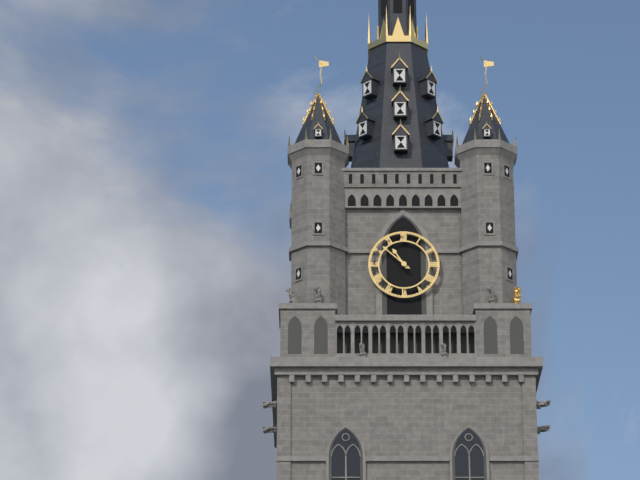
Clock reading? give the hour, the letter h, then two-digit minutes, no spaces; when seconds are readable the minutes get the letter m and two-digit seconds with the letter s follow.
10h52
